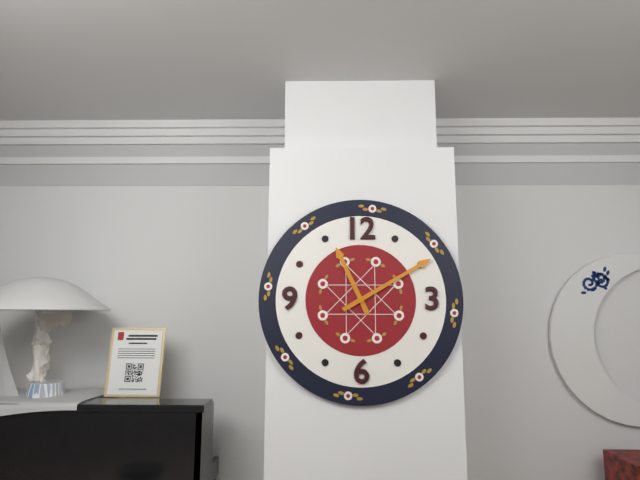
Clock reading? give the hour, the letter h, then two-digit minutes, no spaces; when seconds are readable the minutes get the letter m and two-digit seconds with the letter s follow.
11h10
